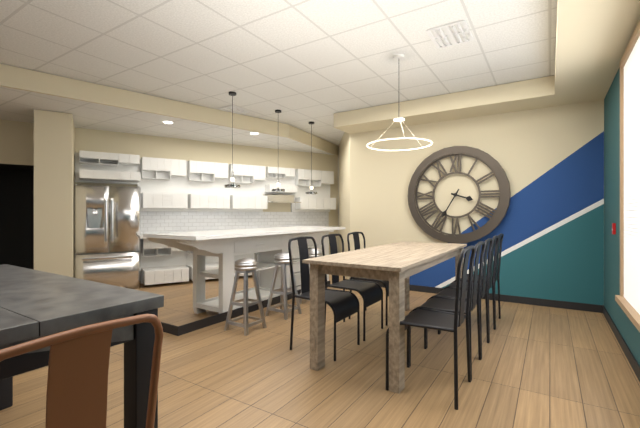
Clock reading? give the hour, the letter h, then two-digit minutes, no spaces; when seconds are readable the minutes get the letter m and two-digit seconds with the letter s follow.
3h35
